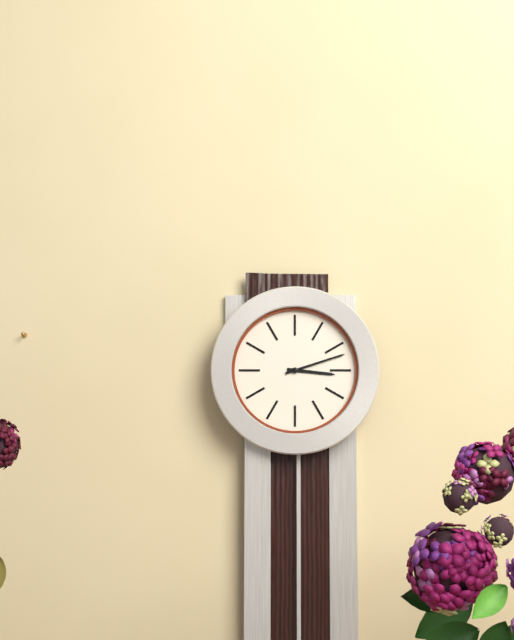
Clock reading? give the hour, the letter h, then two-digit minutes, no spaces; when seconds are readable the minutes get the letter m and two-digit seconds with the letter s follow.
3h12
